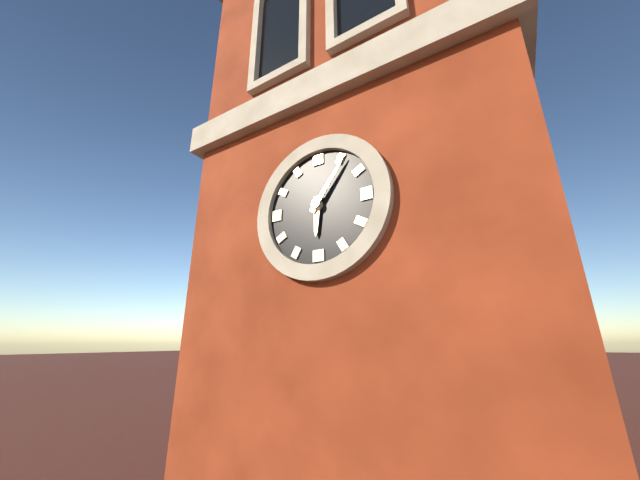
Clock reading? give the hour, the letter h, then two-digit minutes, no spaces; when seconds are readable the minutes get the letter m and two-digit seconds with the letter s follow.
6h06
